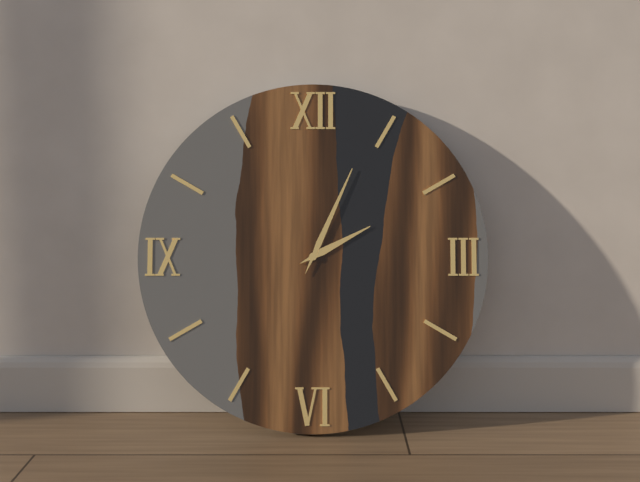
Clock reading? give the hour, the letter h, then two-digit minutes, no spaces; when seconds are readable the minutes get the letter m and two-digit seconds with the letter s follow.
2h04
